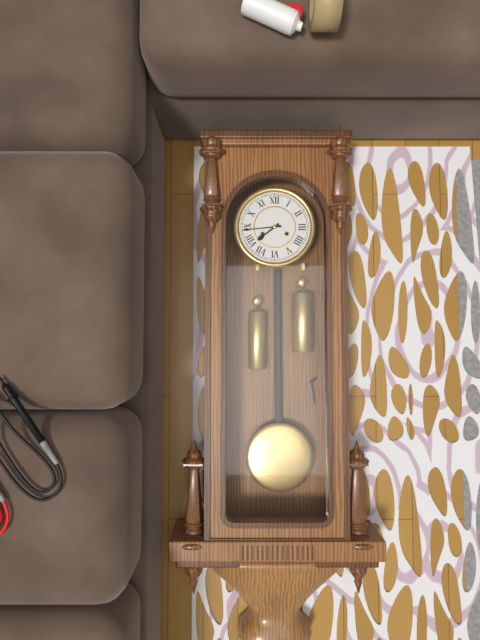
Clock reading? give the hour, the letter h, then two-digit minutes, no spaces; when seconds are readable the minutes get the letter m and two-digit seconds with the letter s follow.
7h44
